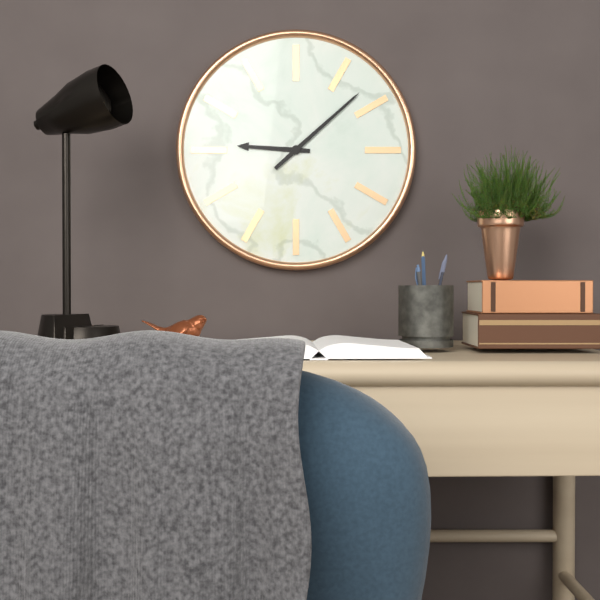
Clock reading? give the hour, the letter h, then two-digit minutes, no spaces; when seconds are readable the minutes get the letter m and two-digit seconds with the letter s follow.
9h08
